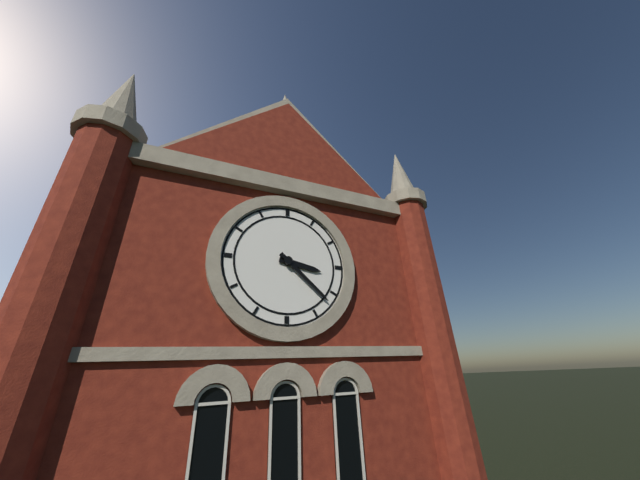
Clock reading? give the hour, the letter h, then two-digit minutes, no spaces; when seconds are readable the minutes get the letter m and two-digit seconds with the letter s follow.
3h22
